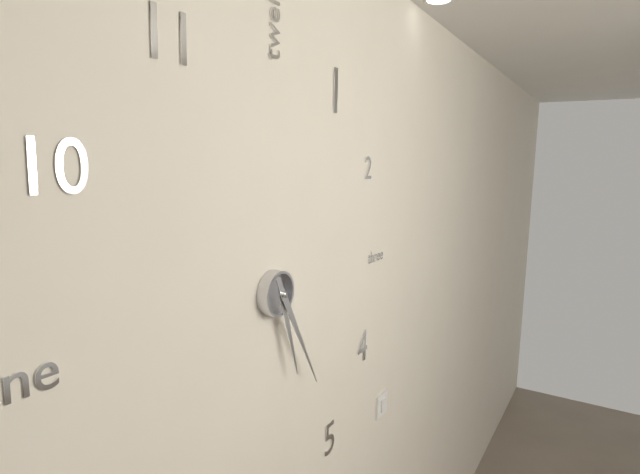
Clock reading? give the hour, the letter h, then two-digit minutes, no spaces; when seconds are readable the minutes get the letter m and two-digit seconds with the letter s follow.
5h25
